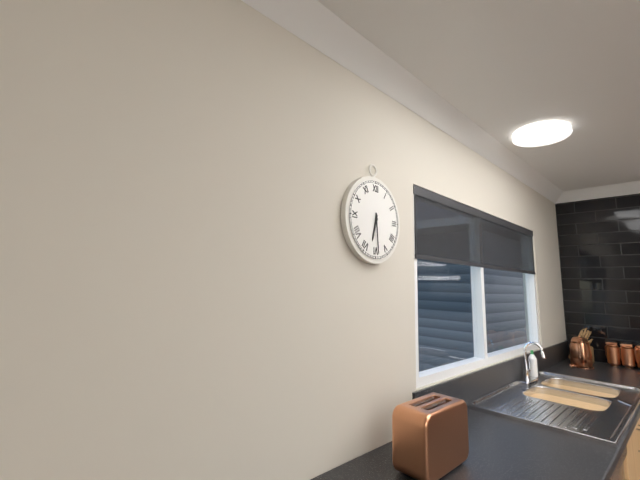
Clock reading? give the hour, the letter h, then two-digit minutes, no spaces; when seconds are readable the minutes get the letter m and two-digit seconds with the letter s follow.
6h29
